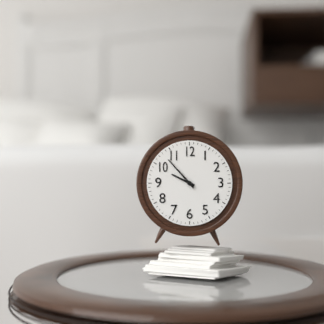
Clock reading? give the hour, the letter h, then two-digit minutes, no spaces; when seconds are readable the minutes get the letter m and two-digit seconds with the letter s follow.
9h53
